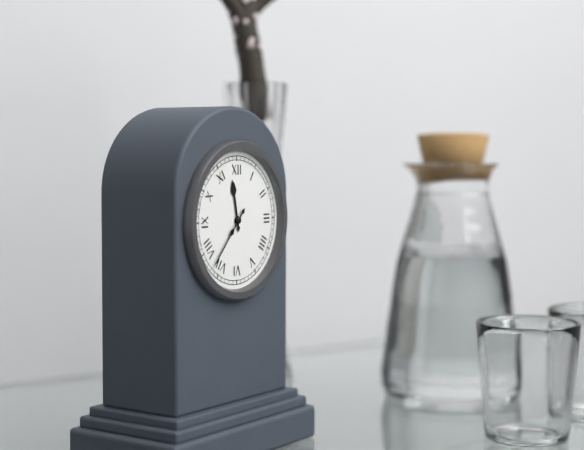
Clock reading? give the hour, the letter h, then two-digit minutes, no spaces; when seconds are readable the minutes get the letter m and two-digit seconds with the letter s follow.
11h37
